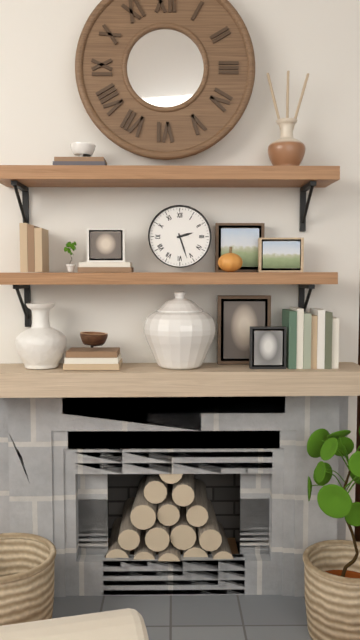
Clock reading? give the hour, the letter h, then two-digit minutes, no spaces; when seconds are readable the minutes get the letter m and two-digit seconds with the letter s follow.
2h27
